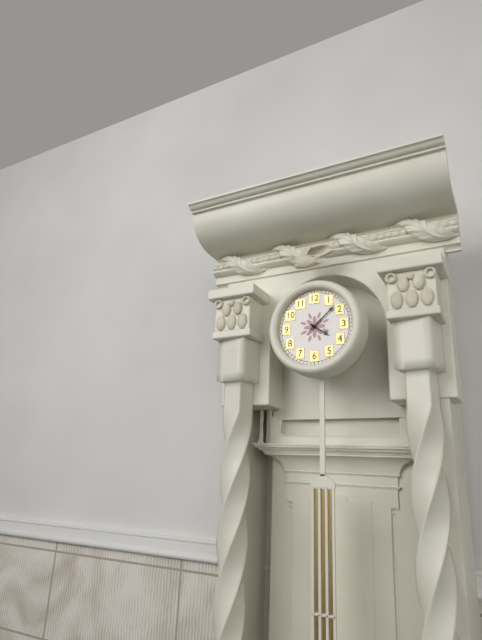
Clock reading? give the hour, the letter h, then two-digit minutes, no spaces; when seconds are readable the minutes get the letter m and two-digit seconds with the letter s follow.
4h08
